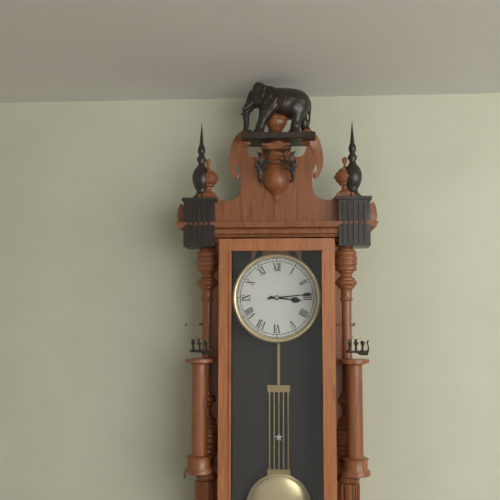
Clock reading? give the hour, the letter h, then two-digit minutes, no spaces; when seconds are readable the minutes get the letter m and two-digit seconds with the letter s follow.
3h14
